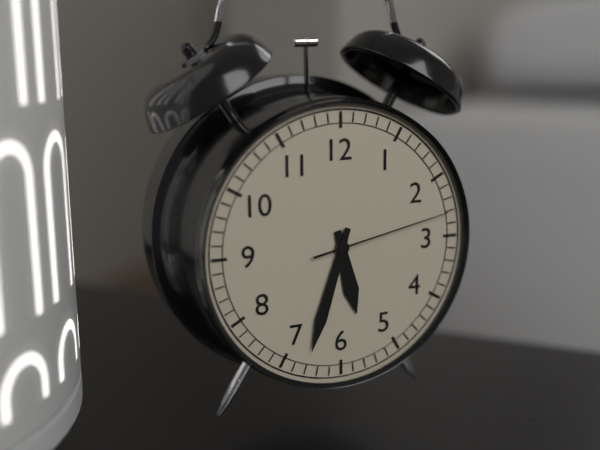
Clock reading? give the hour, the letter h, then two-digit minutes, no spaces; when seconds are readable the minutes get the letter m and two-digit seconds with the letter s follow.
5h33m13s
